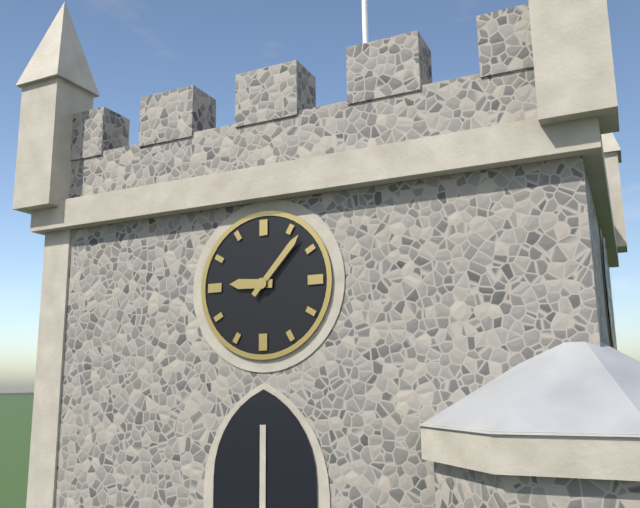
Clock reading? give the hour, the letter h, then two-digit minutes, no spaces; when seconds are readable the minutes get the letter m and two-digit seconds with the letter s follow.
9h07
